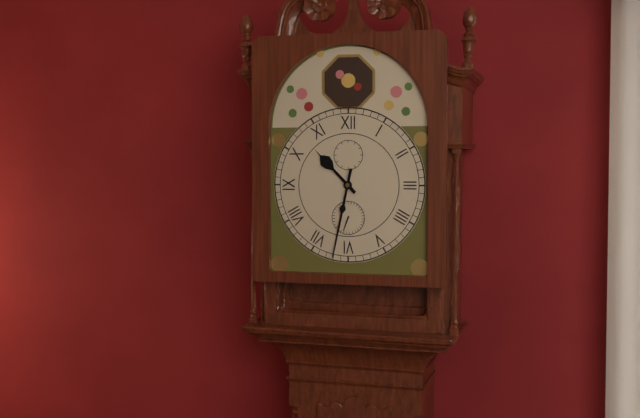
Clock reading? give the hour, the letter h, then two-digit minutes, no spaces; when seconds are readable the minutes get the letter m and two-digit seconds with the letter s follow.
10h32
